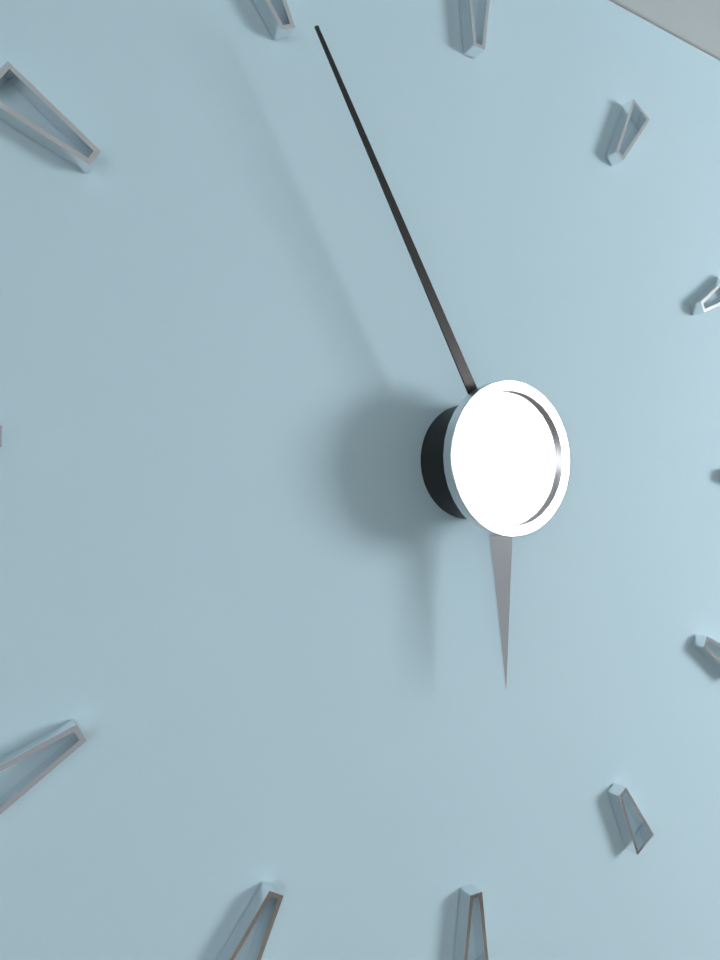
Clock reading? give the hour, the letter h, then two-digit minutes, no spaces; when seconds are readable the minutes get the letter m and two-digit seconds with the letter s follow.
5h55
